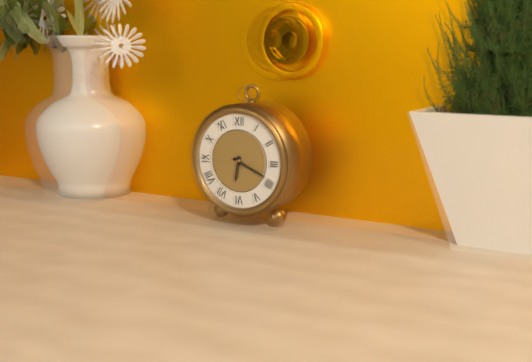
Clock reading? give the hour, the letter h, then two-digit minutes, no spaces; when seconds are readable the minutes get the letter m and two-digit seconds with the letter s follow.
6h19
